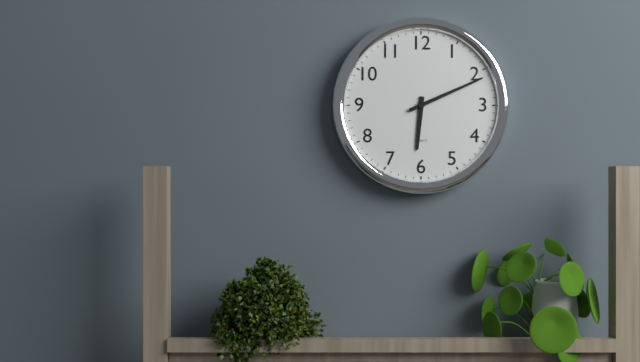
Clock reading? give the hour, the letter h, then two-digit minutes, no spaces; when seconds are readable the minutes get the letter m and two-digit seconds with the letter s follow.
6h11
